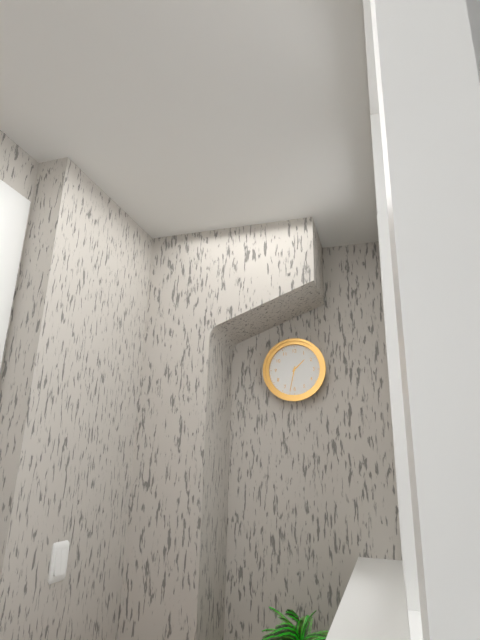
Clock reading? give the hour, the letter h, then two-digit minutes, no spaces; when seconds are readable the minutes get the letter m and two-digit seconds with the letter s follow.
1h32
